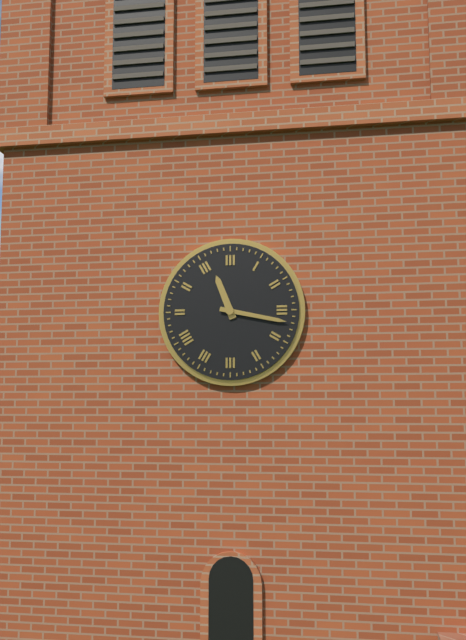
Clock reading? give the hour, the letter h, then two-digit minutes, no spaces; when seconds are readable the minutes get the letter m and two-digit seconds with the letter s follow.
11h17
